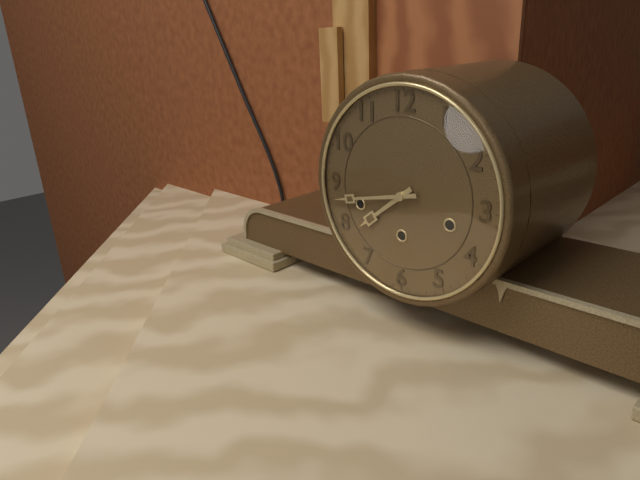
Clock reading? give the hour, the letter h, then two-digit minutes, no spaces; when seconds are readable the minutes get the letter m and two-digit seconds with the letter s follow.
7h43
